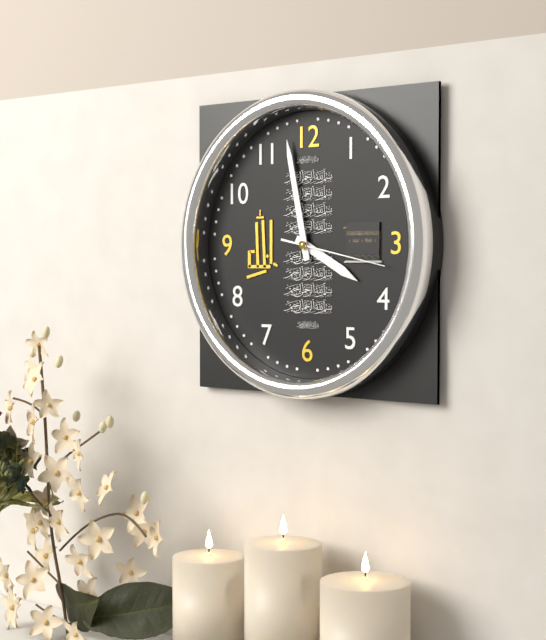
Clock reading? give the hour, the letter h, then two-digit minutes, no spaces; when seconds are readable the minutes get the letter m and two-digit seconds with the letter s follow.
3h58m17s
